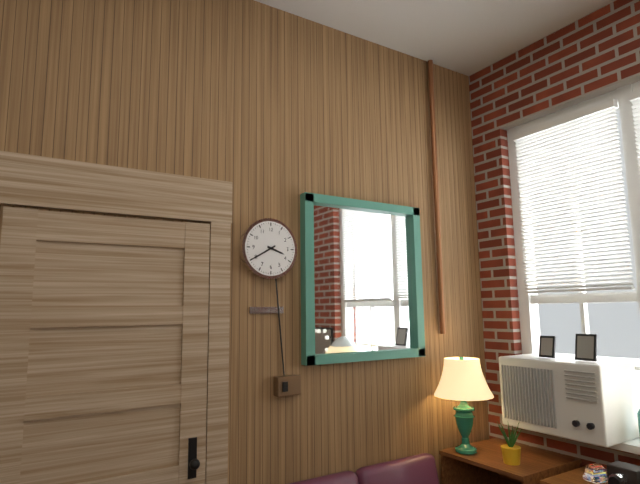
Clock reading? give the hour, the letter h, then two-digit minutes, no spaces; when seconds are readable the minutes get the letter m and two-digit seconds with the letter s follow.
3h40
